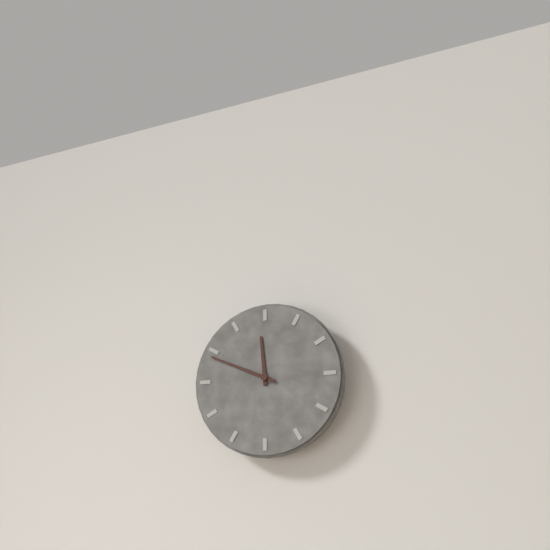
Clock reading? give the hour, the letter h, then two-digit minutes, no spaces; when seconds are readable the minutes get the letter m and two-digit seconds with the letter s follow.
11h49
